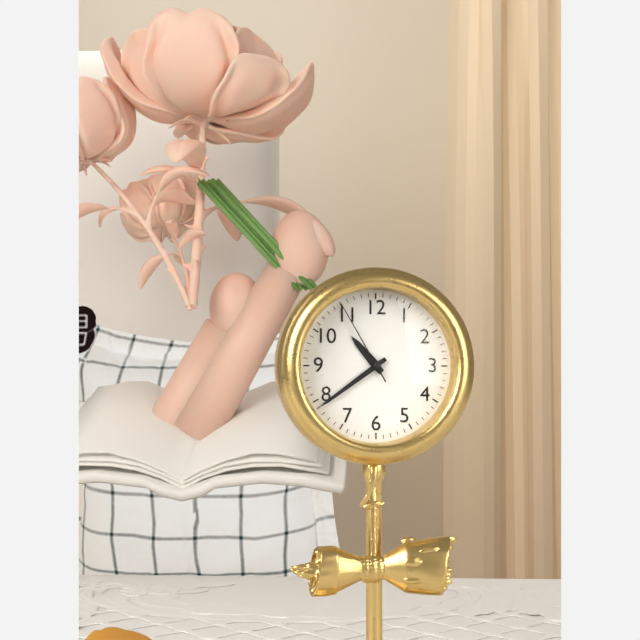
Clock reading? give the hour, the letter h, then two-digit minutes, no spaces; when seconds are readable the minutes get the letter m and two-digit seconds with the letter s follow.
10h39m55s
